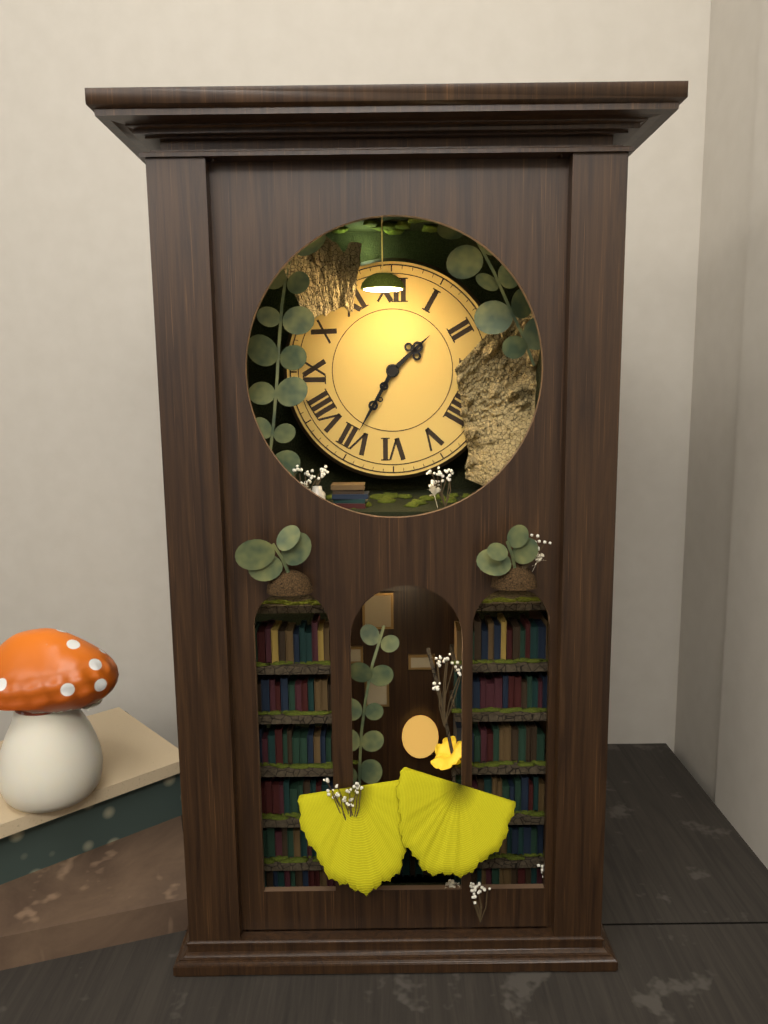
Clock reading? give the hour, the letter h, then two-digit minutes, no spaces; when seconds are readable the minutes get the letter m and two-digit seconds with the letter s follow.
1h35
